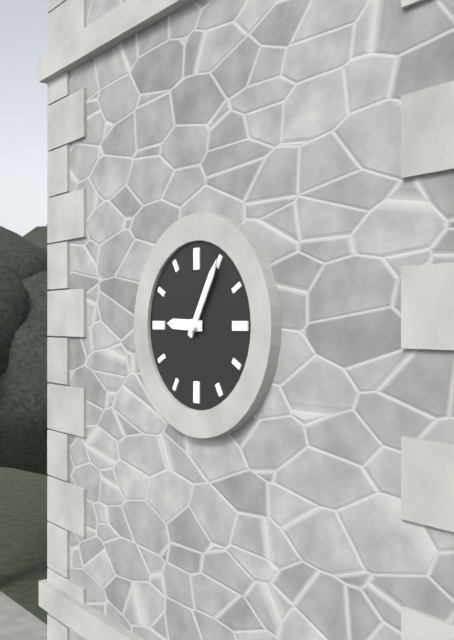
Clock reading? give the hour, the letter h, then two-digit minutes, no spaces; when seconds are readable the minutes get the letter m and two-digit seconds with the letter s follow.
9h05
